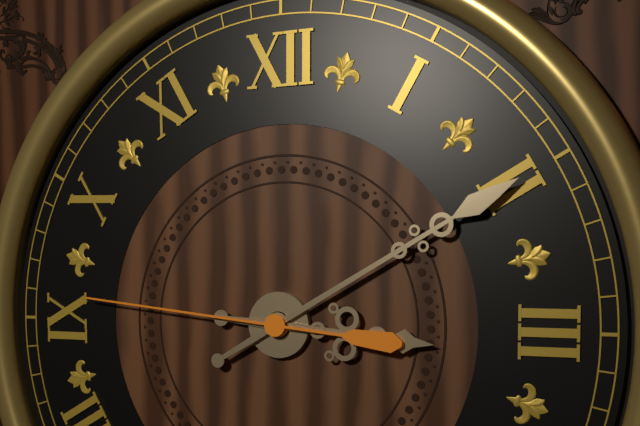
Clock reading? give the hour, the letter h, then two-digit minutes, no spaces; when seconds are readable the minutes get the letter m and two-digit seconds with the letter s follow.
3h10m46s
